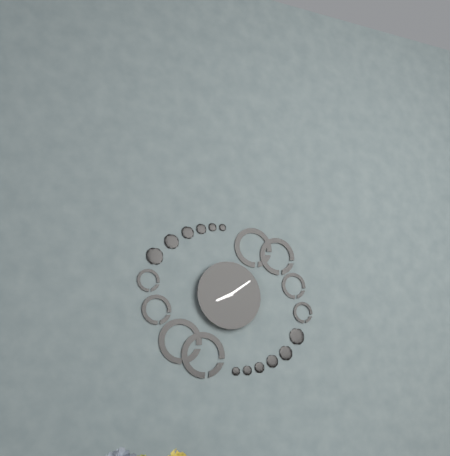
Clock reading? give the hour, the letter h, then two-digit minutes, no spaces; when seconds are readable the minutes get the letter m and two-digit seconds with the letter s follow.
8h09
